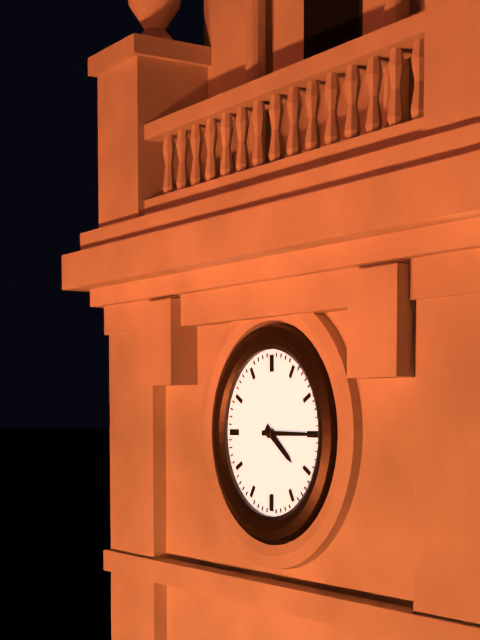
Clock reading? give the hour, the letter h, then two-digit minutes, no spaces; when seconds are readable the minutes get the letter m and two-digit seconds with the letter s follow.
4h15
